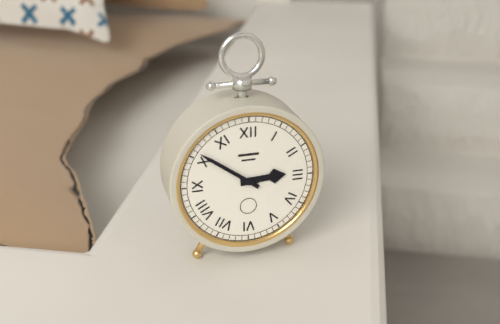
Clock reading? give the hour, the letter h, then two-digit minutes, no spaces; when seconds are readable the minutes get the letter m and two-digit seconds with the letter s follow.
2h51
